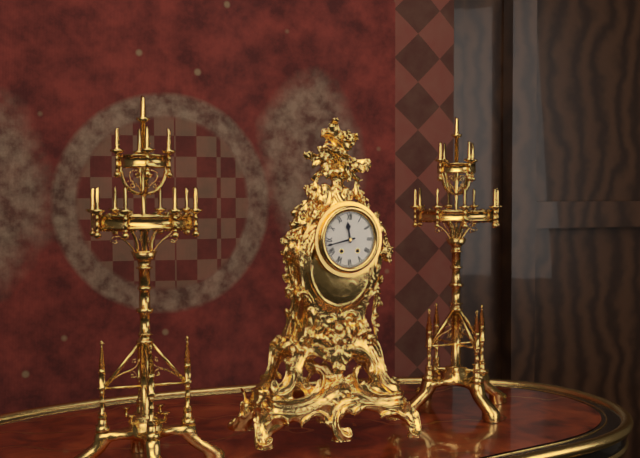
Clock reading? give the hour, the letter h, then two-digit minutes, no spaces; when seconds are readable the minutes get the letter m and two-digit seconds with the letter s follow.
11h43
